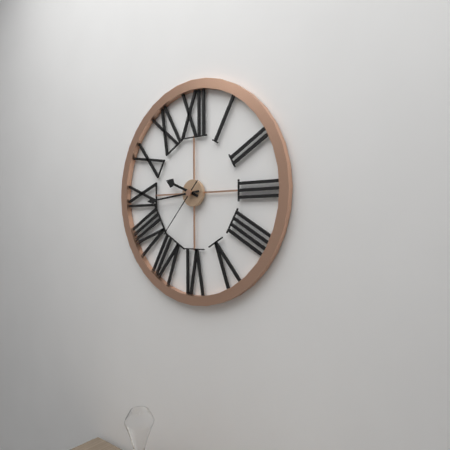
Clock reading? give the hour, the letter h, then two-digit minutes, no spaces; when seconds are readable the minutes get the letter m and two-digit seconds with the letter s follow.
9h44m37s
